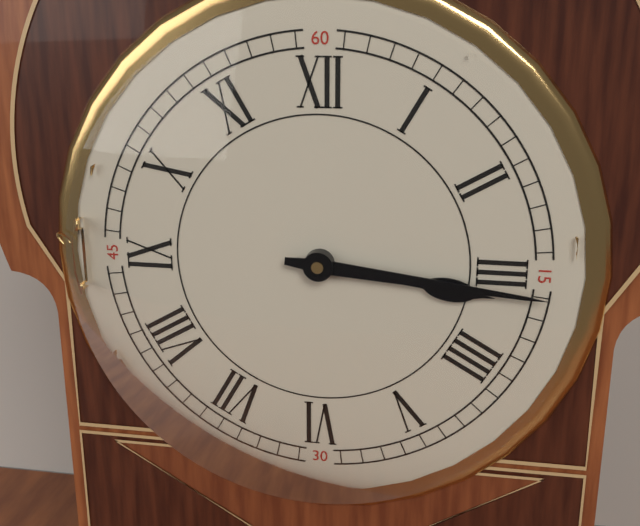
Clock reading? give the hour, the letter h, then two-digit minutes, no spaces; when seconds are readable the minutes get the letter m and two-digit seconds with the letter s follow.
3h16
